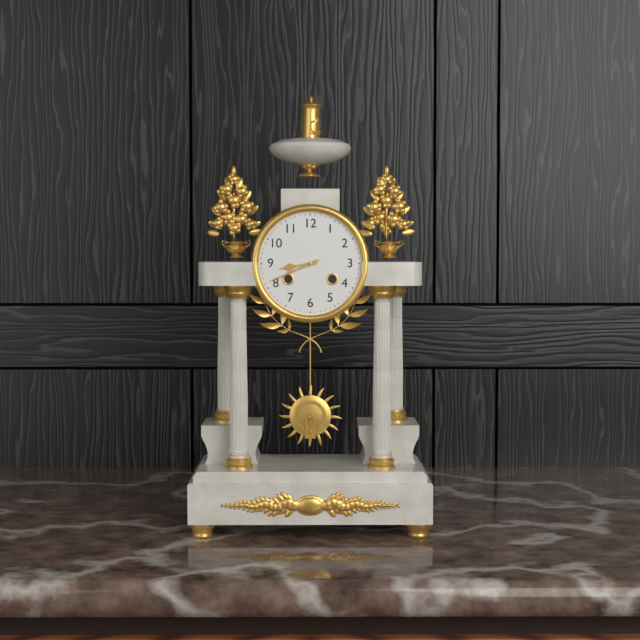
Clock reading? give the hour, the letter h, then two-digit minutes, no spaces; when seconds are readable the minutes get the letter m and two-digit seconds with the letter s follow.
8h41
